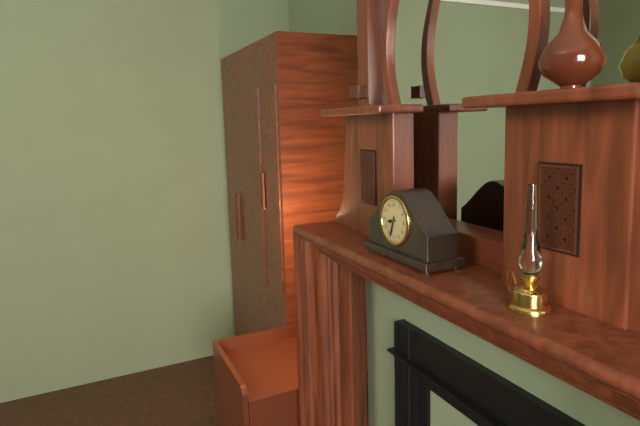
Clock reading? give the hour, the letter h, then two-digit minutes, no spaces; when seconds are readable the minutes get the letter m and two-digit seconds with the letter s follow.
8h33
